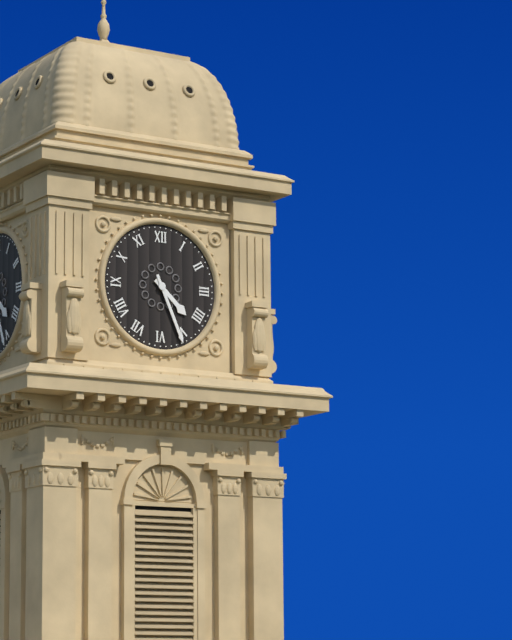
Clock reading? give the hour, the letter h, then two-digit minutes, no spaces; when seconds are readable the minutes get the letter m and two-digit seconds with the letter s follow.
4h26
